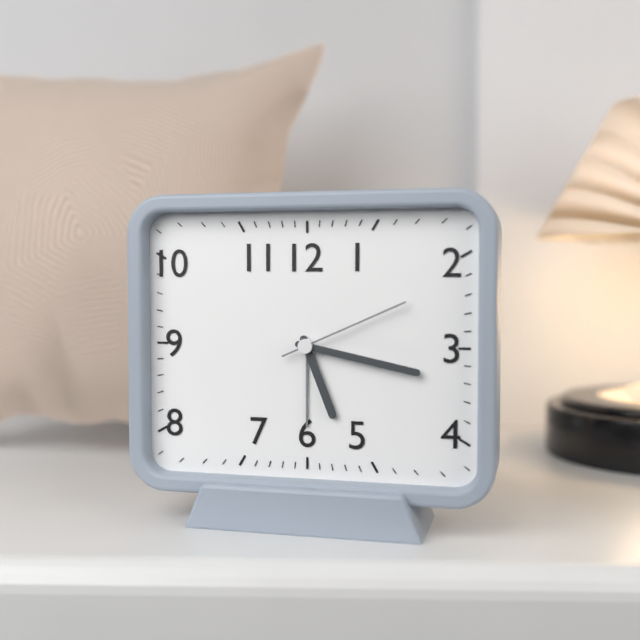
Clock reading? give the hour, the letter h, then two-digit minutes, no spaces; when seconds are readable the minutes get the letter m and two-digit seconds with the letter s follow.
5h17m11s
